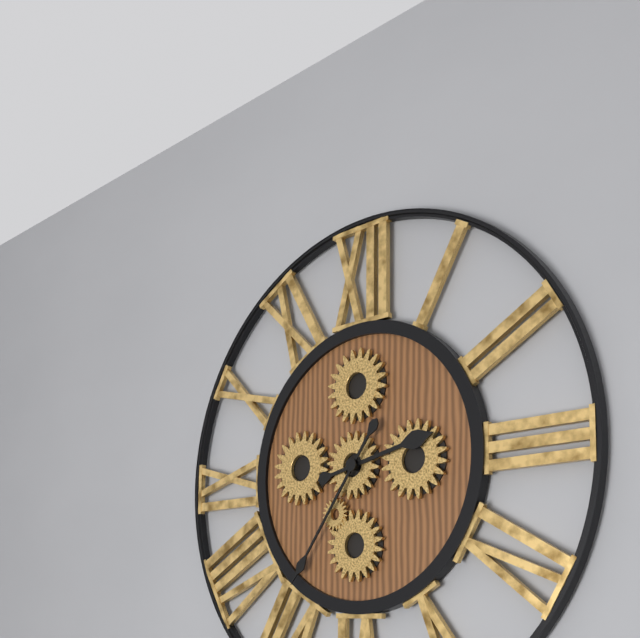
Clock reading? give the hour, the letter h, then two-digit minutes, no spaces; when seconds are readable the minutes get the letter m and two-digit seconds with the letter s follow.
2h36
